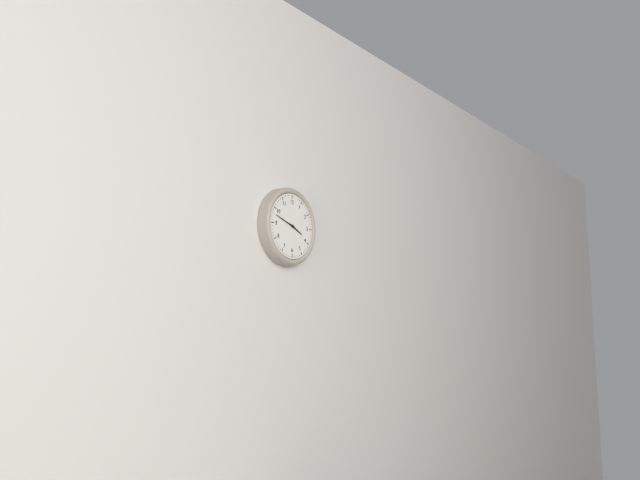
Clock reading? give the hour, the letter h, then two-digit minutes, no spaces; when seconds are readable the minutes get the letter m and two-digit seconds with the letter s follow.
3h48
